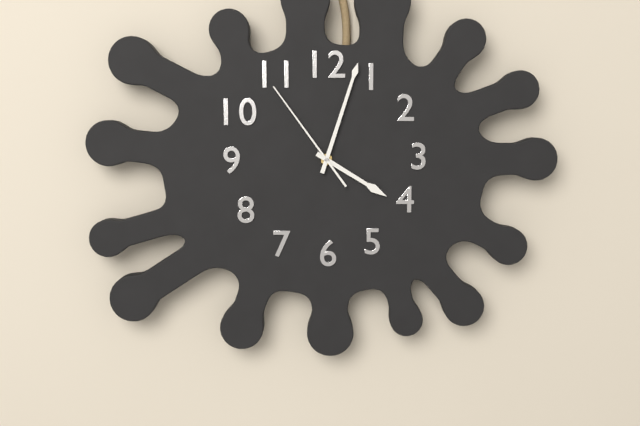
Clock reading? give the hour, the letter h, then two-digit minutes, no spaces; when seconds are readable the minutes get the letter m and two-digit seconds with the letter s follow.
4h03m54s
